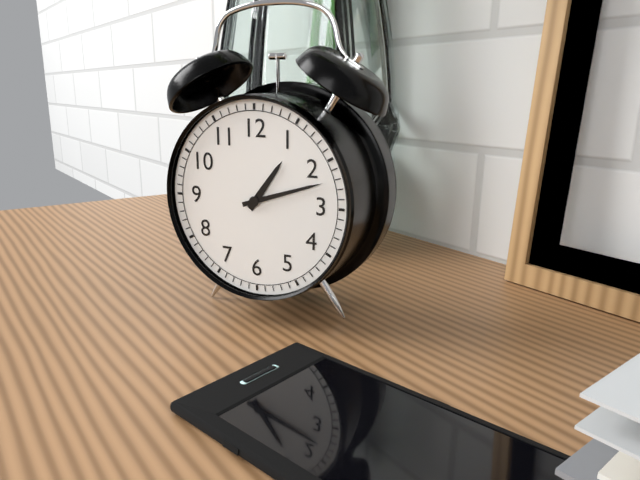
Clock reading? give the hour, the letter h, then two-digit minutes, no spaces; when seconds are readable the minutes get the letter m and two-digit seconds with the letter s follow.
1h12
